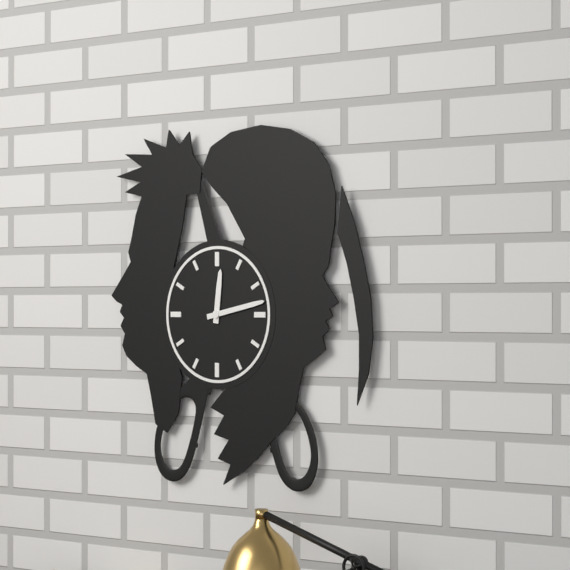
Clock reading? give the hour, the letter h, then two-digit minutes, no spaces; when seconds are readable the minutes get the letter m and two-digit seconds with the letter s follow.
12h13
